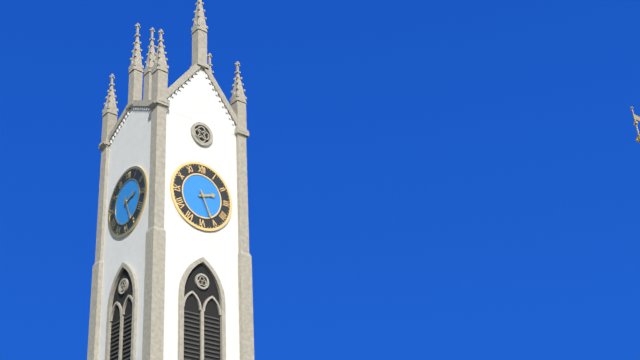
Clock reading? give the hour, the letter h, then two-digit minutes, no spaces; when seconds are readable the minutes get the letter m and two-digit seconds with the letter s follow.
2h26
